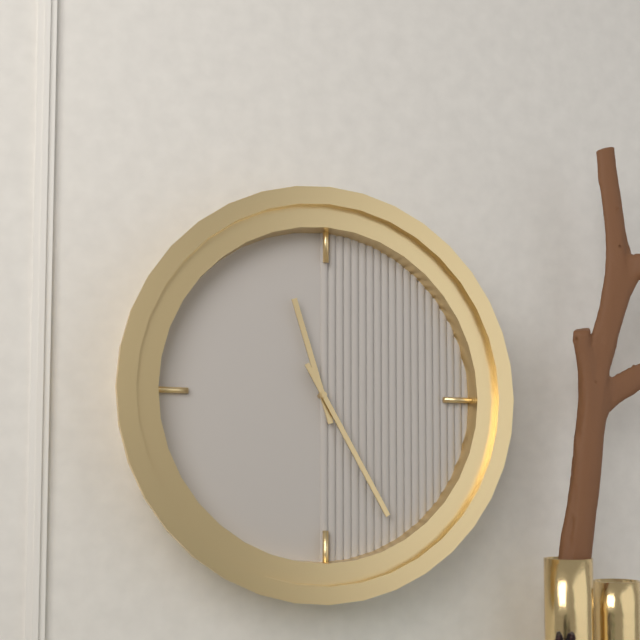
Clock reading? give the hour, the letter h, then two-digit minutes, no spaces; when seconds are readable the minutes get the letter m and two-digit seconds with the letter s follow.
11h25
